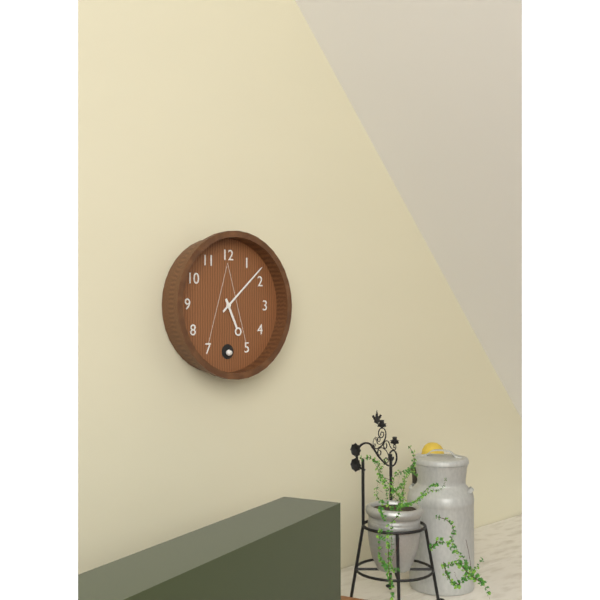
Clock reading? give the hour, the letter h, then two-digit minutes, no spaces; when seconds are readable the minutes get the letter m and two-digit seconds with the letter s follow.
5h08
